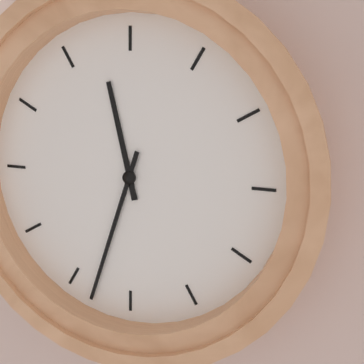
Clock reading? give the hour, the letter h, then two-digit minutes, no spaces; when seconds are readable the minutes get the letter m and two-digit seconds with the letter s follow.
11h33
